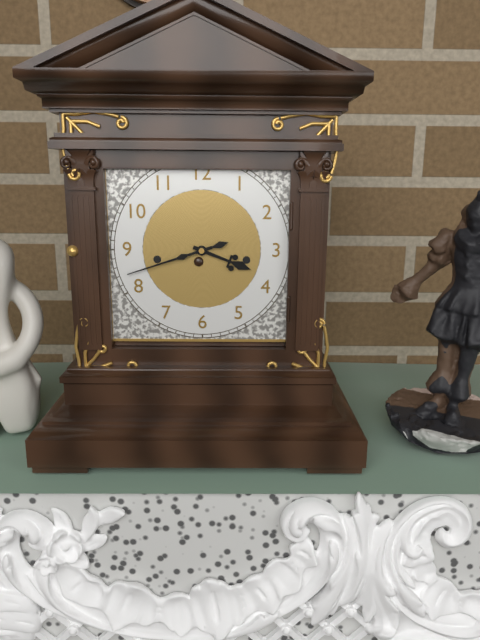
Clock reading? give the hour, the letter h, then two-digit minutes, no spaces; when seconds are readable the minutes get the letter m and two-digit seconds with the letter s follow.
3h42
